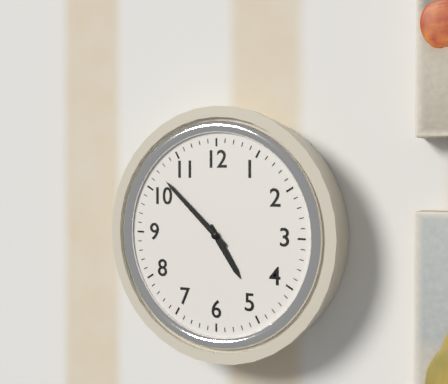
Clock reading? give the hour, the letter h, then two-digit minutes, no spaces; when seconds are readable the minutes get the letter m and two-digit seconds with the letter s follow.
4h52
